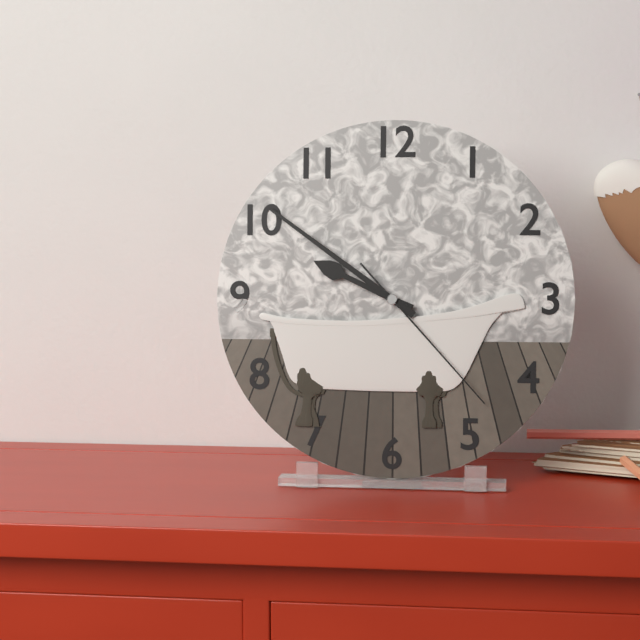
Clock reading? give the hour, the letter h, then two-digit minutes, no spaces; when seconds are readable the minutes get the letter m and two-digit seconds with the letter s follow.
9h51m23s
